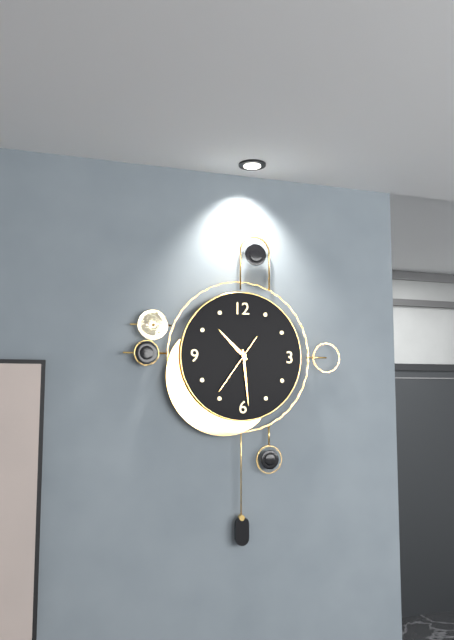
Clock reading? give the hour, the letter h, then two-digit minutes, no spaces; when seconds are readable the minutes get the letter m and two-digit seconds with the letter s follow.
10h29m36s
